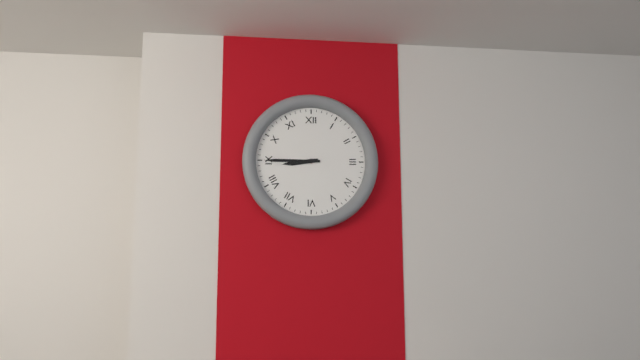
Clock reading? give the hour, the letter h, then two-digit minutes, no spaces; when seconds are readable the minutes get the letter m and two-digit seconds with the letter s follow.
8h45
